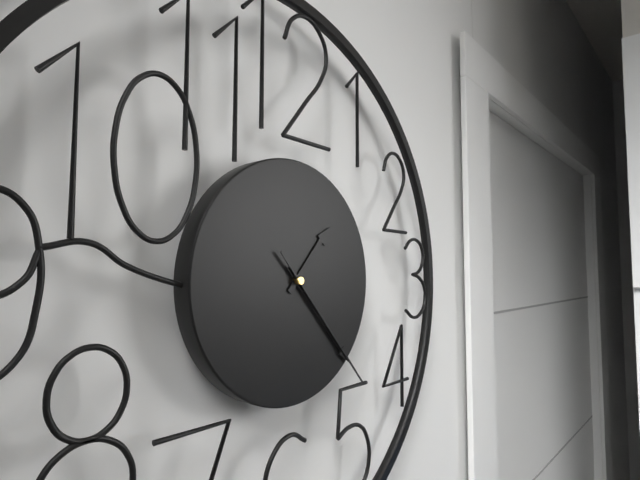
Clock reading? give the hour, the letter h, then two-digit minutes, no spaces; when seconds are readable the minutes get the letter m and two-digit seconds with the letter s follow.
1h23m23s
